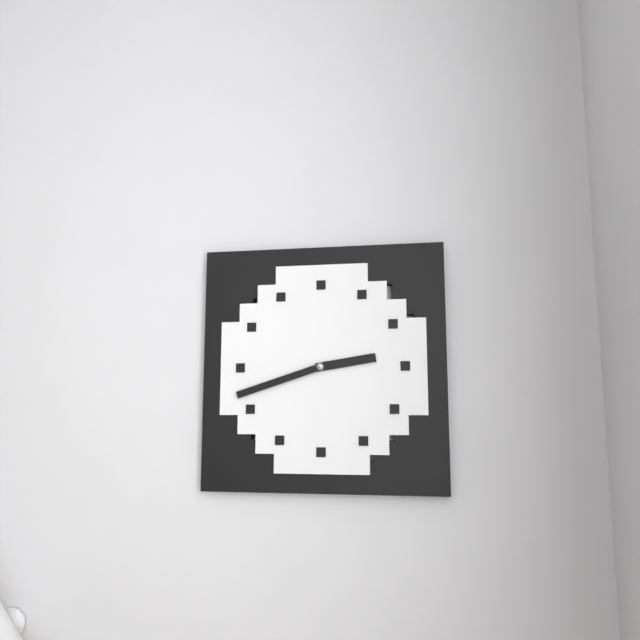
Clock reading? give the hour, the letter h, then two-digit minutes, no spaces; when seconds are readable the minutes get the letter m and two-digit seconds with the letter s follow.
2h42
